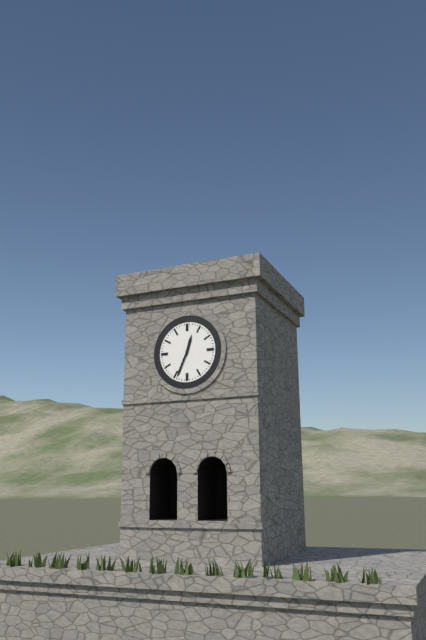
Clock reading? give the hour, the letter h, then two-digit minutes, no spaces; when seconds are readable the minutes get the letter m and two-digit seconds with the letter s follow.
12h34
